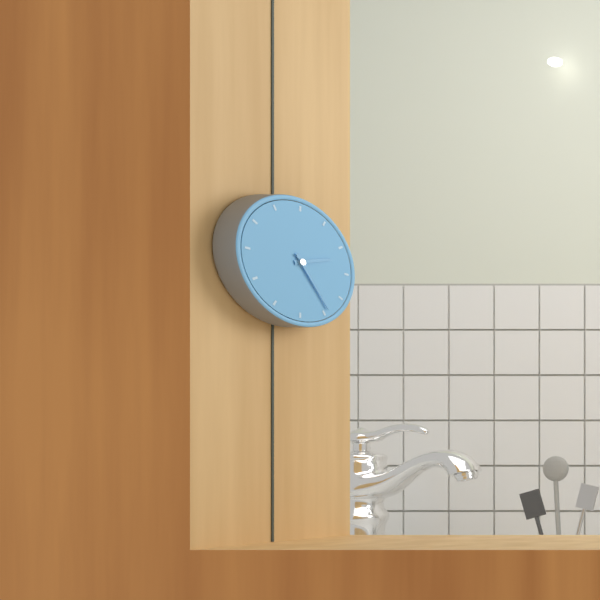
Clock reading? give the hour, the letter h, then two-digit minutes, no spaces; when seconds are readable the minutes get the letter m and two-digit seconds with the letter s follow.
2h24
